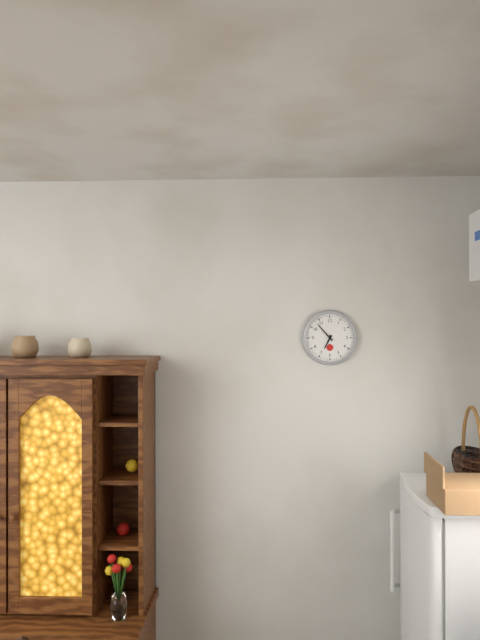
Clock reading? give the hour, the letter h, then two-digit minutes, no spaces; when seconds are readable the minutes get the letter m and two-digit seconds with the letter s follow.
6h53
